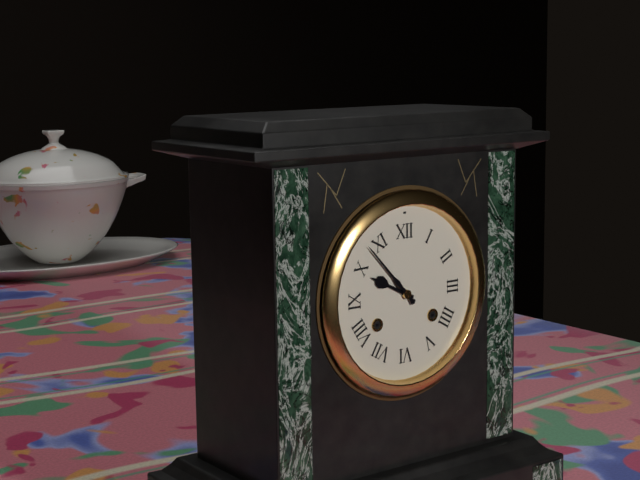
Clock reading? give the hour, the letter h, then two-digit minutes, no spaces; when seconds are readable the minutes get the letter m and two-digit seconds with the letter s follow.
9h53
